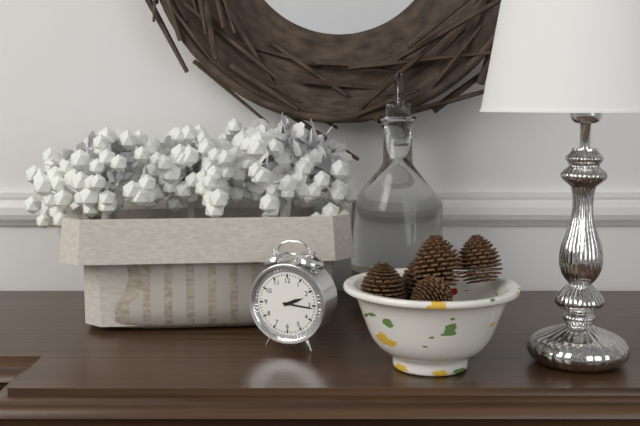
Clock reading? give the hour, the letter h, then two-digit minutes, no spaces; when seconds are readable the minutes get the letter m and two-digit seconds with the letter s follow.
2h16
